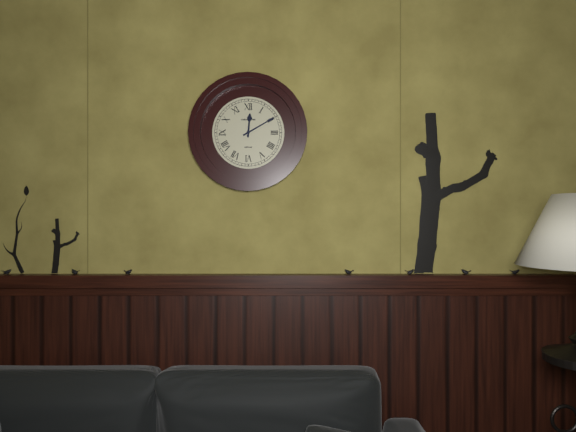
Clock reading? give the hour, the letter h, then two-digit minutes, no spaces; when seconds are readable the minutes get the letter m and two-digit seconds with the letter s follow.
12h10
